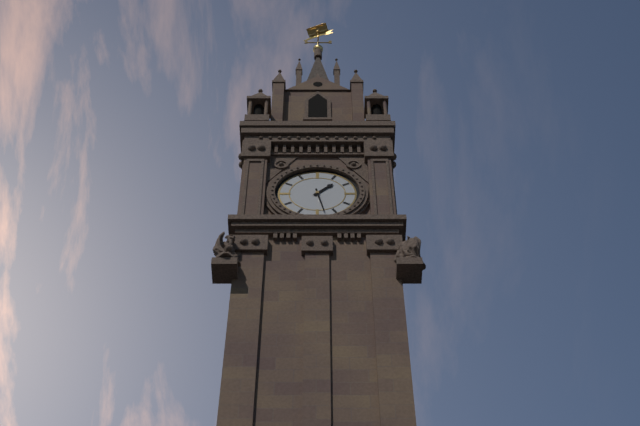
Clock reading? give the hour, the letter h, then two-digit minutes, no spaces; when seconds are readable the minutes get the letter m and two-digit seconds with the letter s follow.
1h28
